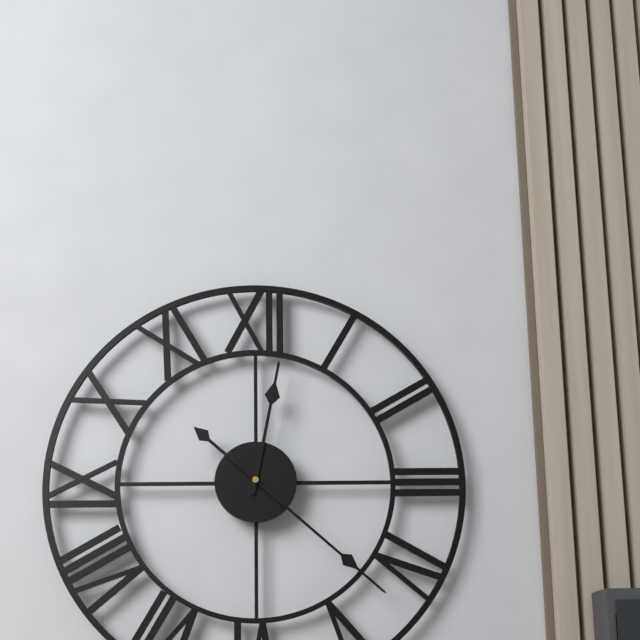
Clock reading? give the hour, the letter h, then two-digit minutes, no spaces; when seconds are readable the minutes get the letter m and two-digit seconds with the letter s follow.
12h22
